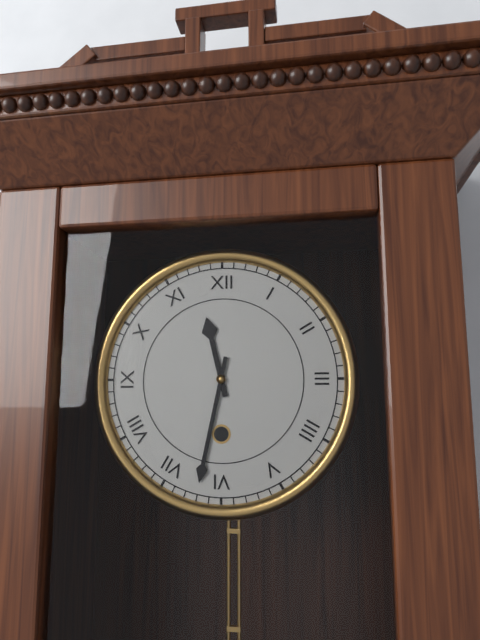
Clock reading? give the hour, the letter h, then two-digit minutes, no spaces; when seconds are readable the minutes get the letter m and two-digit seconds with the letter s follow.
11h32
